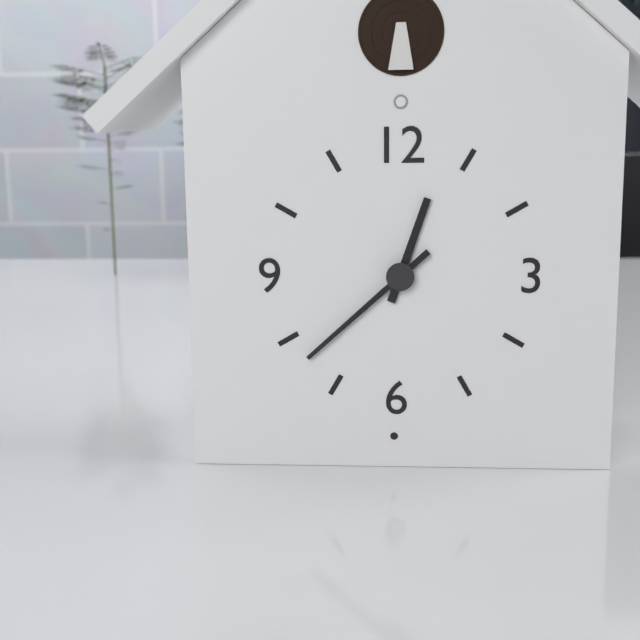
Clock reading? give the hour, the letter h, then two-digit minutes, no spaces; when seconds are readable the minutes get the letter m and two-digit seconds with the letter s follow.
12h38
